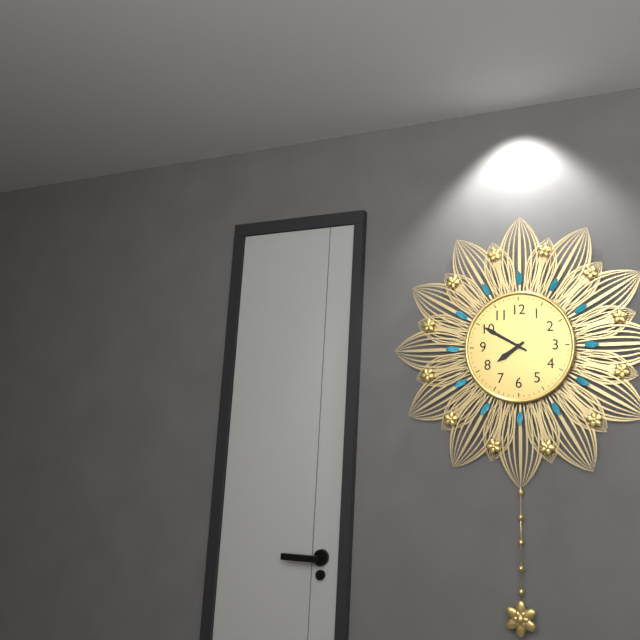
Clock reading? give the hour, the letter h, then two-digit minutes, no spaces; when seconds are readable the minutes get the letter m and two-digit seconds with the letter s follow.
7h50
